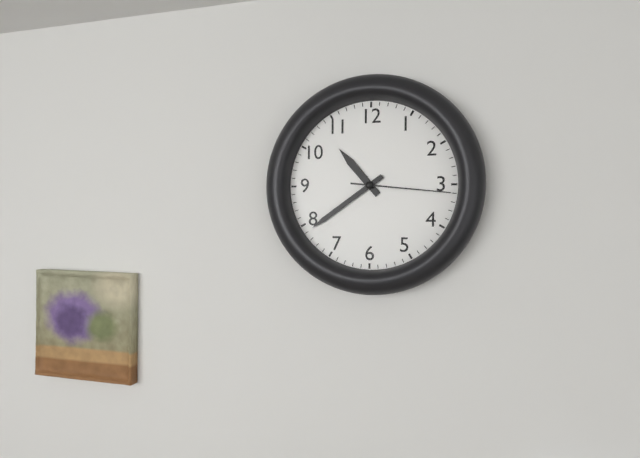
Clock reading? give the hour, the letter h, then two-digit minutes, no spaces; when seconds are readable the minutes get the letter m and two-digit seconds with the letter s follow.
10h39m16s
